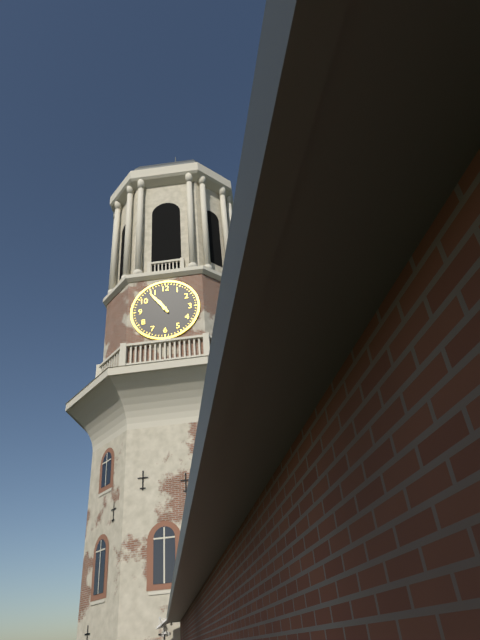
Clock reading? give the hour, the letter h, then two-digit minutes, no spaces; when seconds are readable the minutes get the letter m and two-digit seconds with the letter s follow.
10h54
